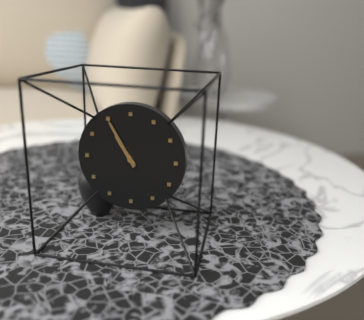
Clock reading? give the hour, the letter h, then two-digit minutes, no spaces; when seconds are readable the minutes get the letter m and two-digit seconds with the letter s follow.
10h55
